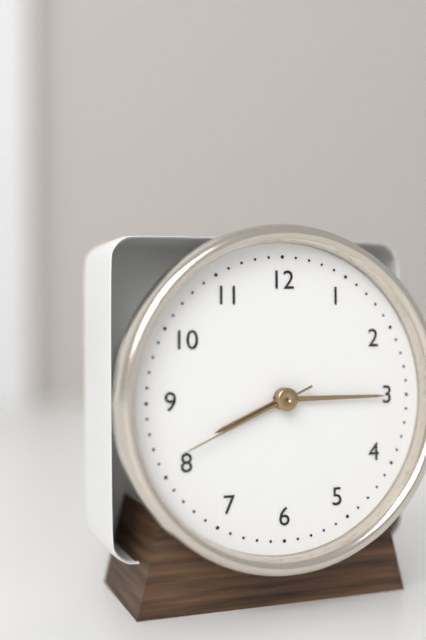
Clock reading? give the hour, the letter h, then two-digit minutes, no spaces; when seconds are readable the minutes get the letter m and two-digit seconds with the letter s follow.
8h15m41s
